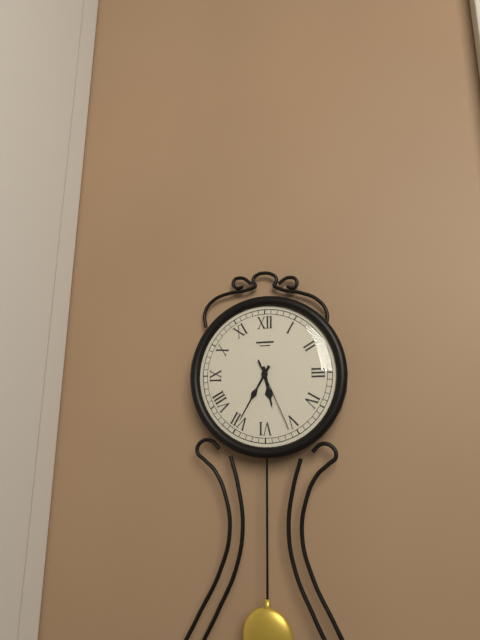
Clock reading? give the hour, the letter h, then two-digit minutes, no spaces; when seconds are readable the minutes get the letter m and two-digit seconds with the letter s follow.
5h35m26s
